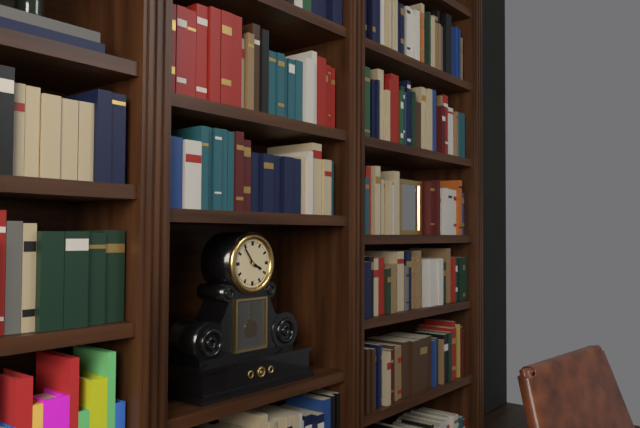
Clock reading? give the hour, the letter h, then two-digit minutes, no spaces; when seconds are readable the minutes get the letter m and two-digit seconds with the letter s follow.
3h54
